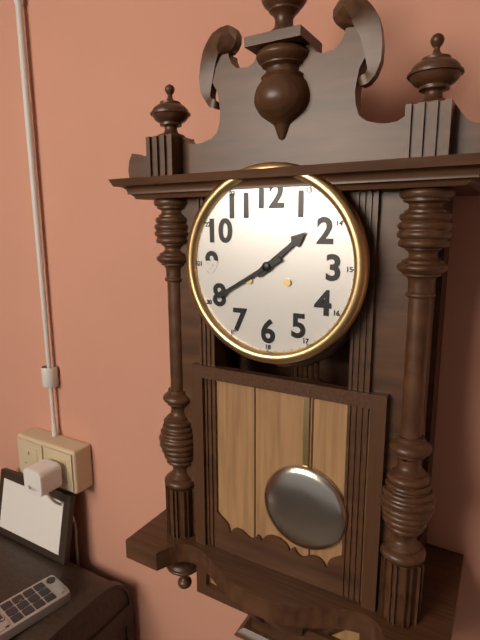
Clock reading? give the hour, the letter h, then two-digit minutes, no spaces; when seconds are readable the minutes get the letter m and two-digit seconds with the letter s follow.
1h40
